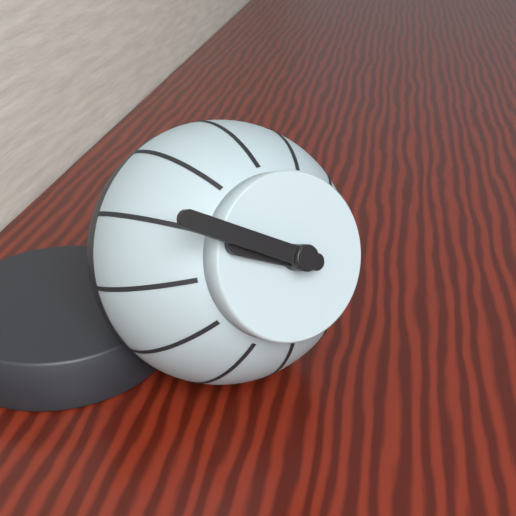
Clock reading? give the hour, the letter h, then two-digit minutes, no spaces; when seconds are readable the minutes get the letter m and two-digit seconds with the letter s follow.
9h50
